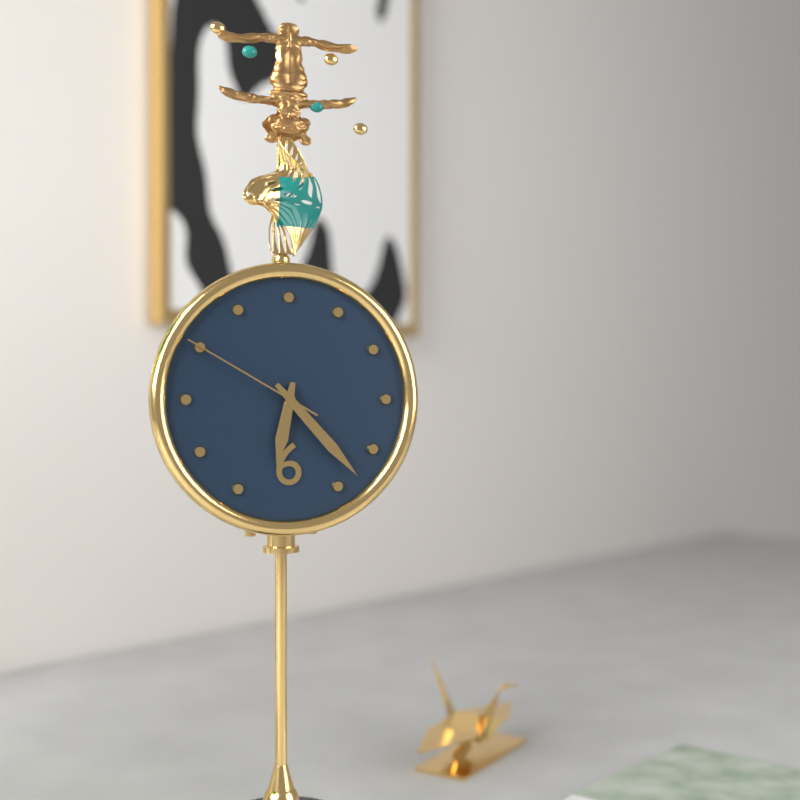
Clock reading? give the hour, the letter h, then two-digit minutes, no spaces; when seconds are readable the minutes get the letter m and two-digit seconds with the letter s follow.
6h23m50s
